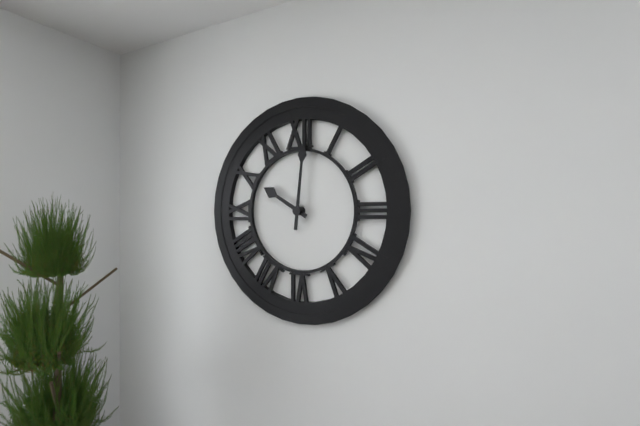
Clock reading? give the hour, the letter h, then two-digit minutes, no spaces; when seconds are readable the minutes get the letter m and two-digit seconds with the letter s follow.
10h01
